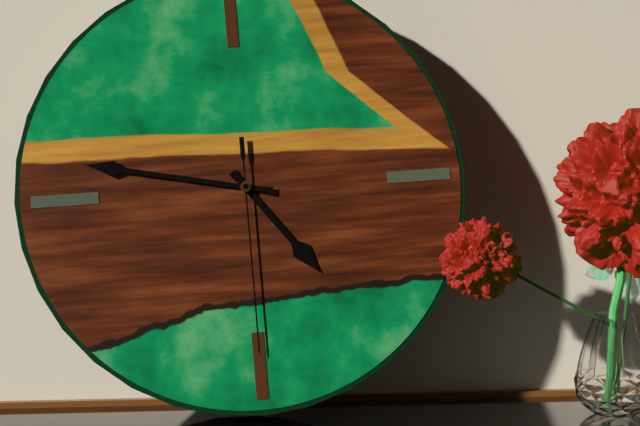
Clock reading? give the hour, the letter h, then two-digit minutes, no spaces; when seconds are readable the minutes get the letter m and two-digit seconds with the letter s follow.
4h47m30s
